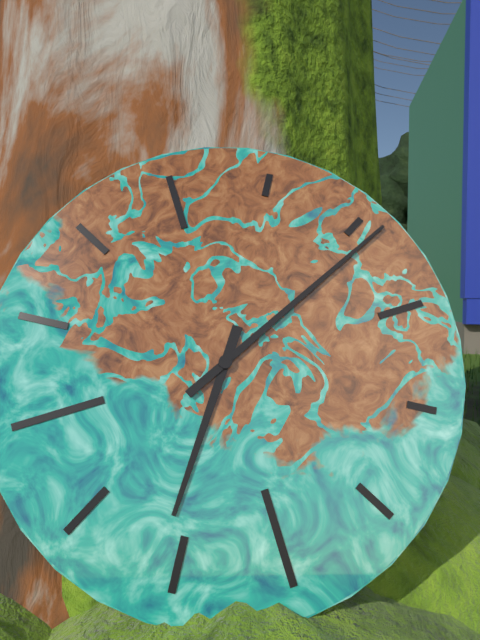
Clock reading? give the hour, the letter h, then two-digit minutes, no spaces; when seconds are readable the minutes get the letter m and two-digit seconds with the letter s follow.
7h11
